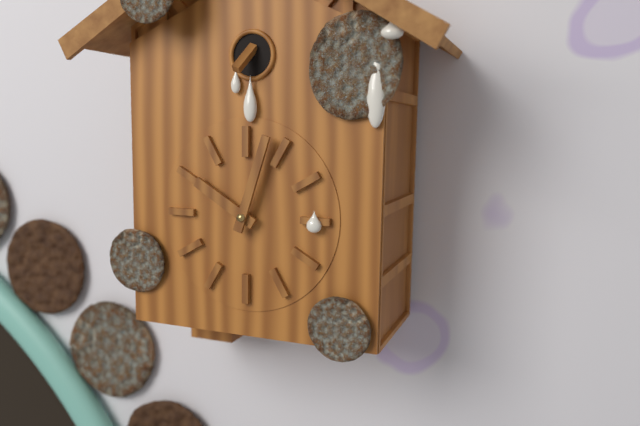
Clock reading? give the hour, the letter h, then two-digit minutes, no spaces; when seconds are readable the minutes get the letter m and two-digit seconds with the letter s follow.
10h03
